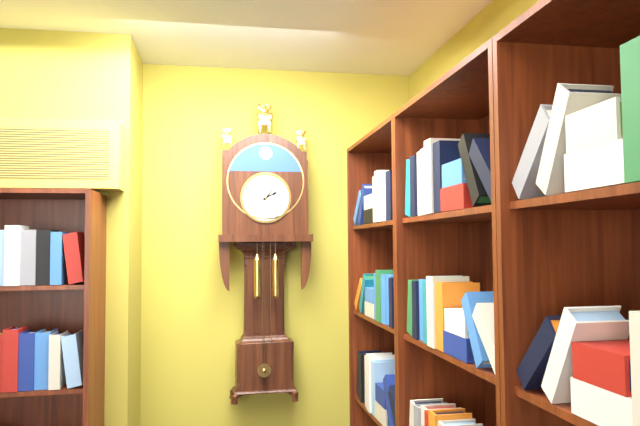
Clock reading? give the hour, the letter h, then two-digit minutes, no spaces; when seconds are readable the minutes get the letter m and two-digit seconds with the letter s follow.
2h07
